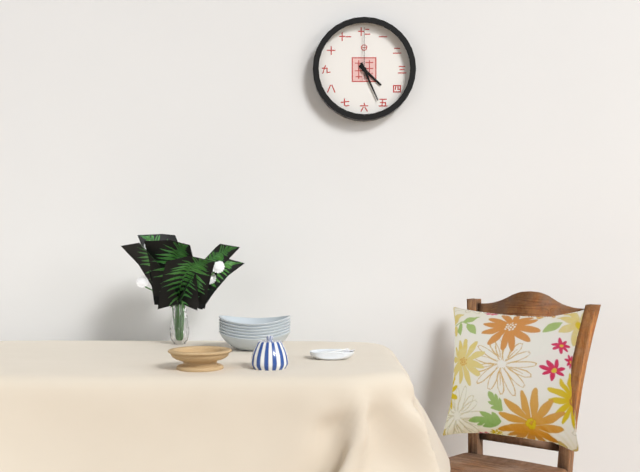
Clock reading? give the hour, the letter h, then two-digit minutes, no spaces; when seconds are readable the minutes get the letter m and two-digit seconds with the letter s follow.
4h26m00s
